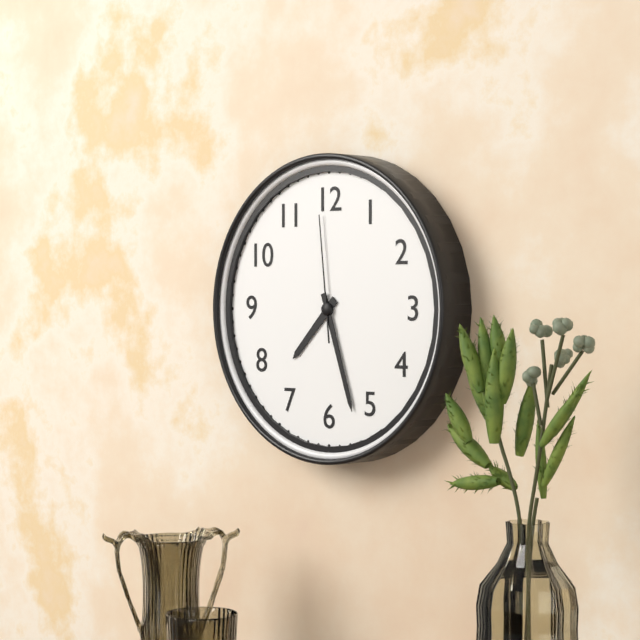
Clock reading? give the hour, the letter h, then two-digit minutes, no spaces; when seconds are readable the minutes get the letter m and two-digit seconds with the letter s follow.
7h27m59s
